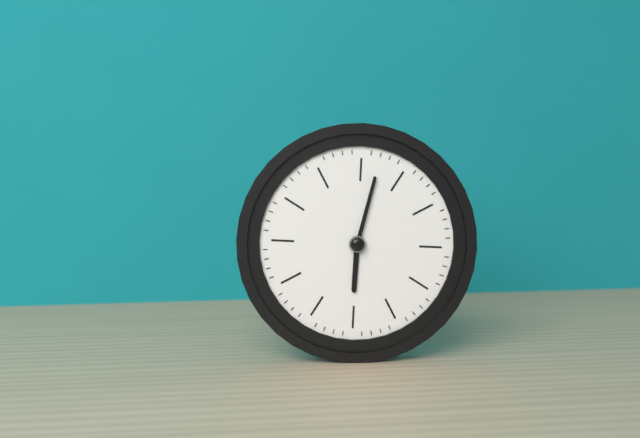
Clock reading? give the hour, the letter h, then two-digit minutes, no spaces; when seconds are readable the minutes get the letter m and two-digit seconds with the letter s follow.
6h02
